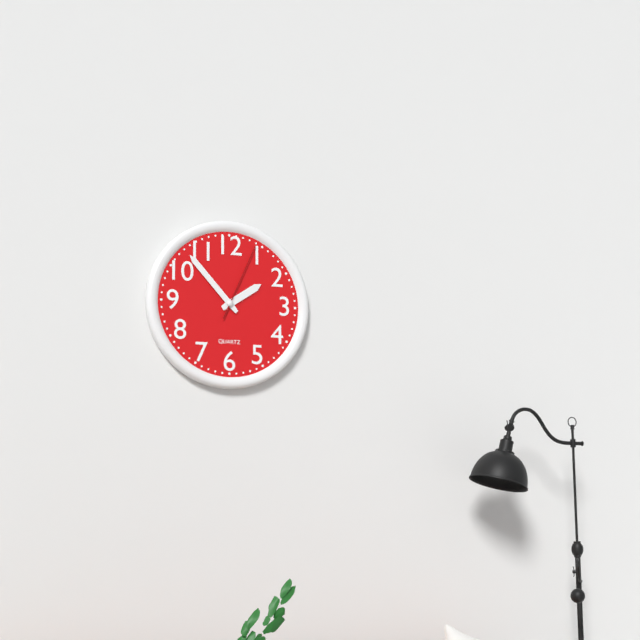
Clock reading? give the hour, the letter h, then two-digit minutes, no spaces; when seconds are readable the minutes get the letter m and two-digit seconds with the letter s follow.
1h53m04s
